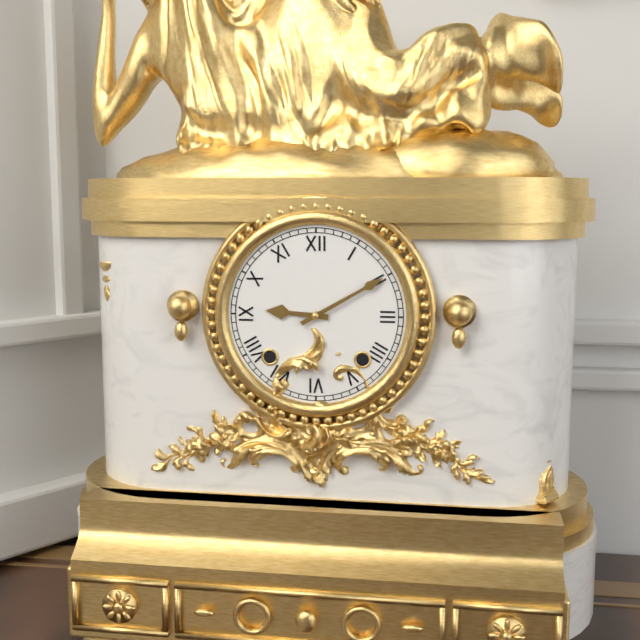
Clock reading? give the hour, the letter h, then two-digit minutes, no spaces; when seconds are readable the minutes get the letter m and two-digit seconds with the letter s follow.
9h10
